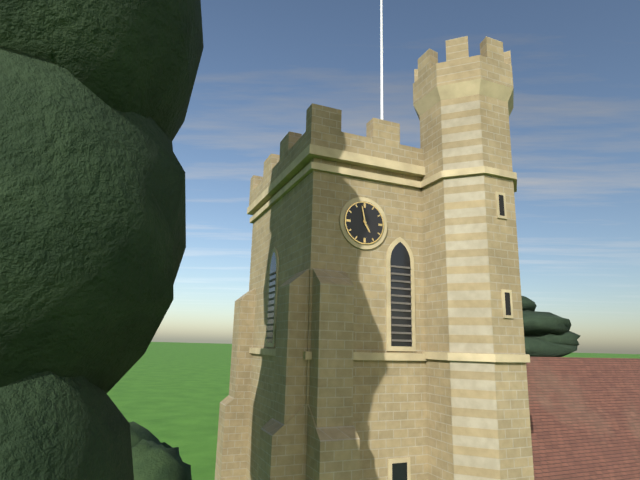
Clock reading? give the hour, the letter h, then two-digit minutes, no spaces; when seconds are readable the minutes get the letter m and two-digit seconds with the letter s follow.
4h58
